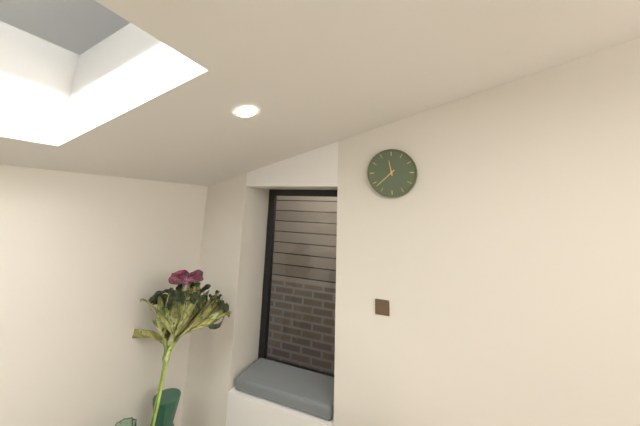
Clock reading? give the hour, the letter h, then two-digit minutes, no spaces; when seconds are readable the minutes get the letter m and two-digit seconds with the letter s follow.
11h38
